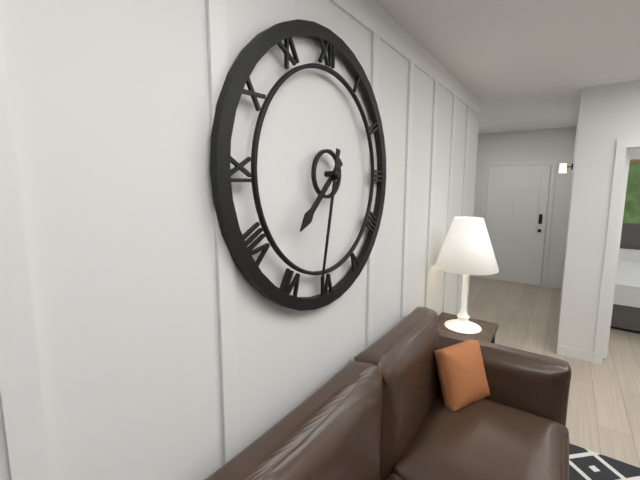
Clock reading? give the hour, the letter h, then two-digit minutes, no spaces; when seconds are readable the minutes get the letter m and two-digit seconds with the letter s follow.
7h32
